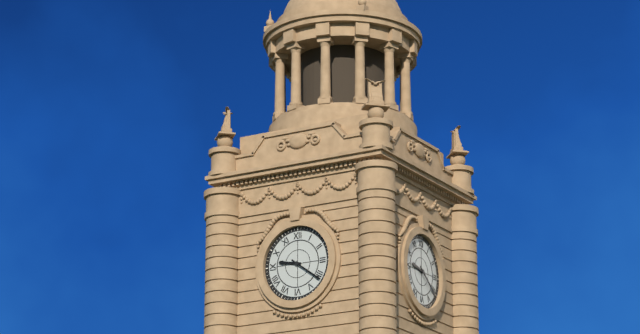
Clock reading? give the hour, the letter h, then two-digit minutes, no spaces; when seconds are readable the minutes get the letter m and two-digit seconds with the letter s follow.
9h21
